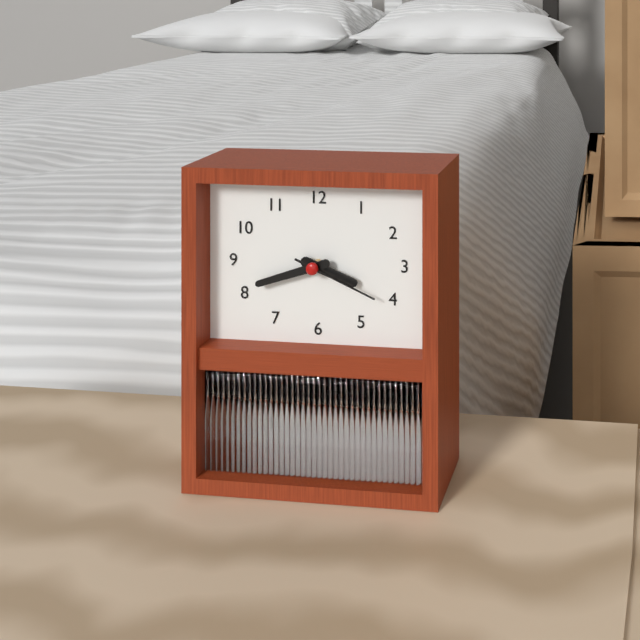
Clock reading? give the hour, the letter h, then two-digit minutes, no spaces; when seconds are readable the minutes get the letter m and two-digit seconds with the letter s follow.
3h42m19s
